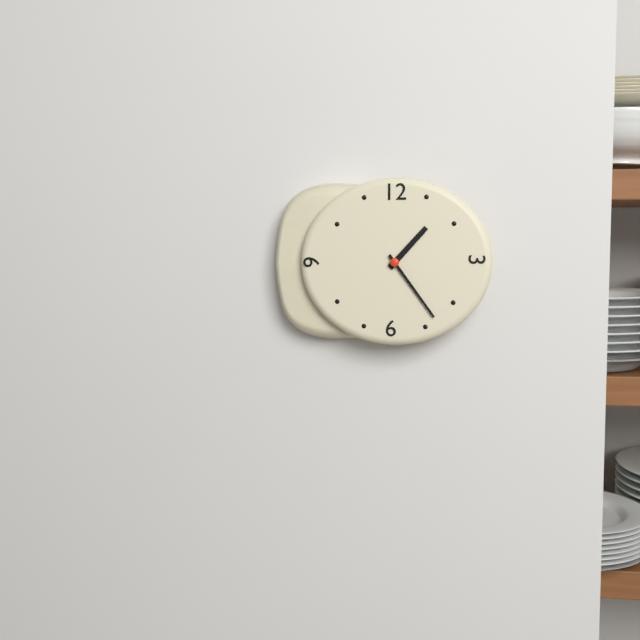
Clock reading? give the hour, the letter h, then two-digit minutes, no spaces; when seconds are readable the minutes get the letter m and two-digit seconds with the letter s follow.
1h24
